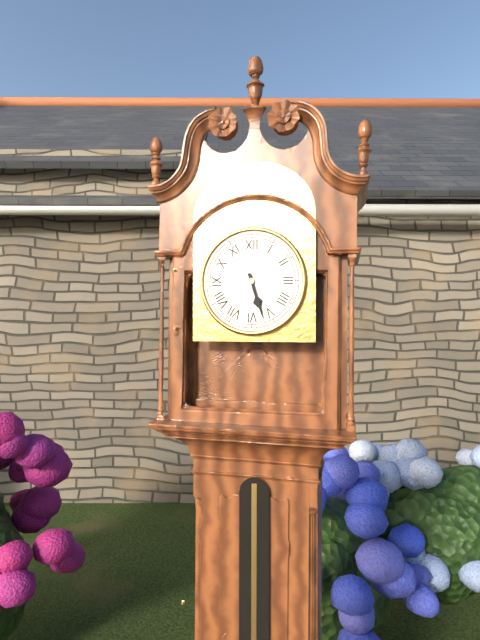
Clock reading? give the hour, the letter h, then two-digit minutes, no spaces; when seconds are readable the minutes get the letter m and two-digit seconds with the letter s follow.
5h27
